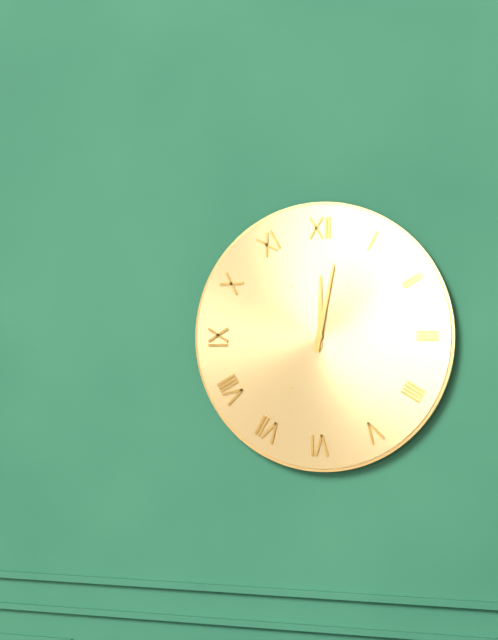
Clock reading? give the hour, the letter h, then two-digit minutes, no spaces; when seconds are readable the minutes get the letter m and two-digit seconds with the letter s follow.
12h02
